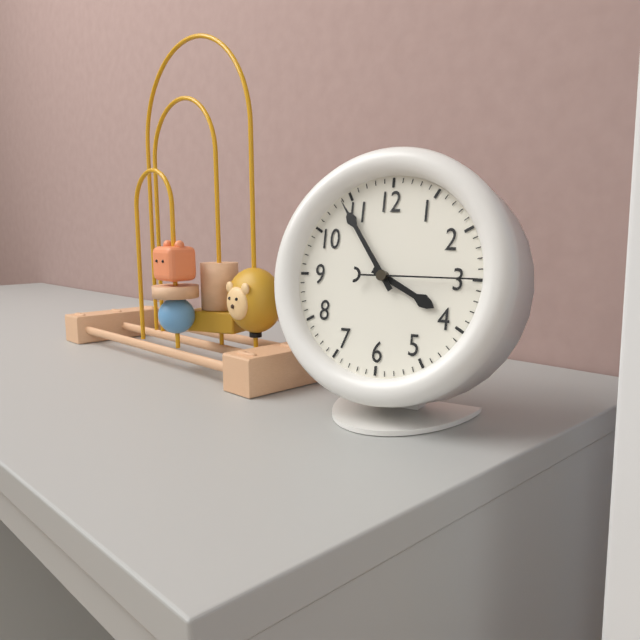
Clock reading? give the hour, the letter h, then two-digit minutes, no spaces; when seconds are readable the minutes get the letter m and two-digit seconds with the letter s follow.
3h54m15s
